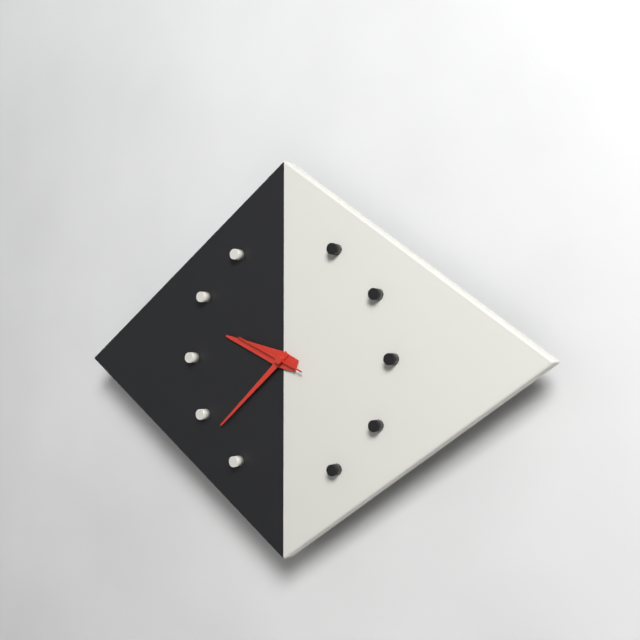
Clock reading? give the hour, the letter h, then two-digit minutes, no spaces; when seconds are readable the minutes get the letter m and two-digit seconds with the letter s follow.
9h38m49s
